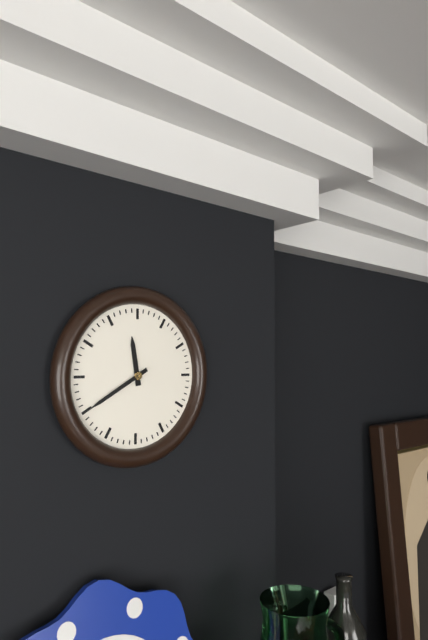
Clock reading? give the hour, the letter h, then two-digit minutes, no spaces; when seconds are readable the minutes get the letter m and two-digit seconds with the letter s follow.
11h40
